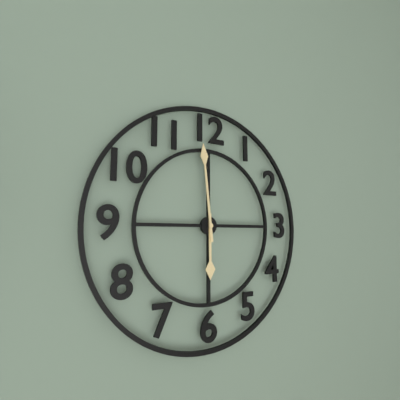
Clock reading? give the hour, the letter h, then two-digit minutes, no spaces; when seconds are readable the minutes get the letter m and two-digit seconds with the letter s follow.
5h59
